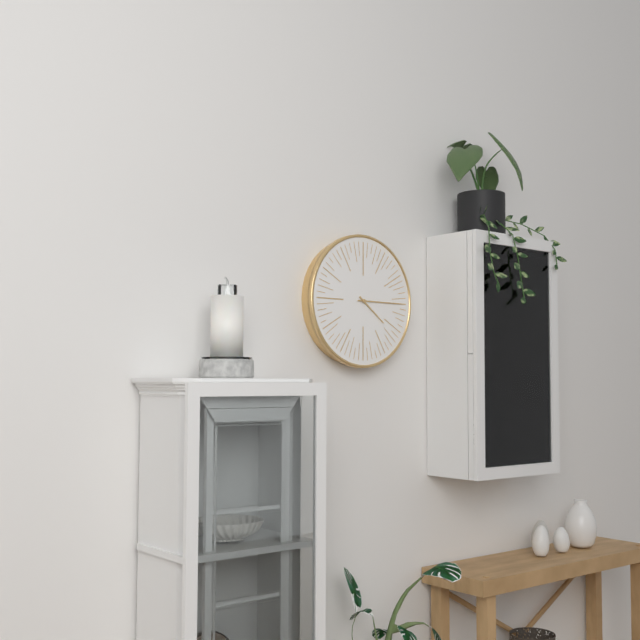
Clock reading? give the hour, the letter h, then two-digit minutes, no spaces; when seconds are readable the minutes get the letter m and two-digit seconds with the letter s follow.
4h15
